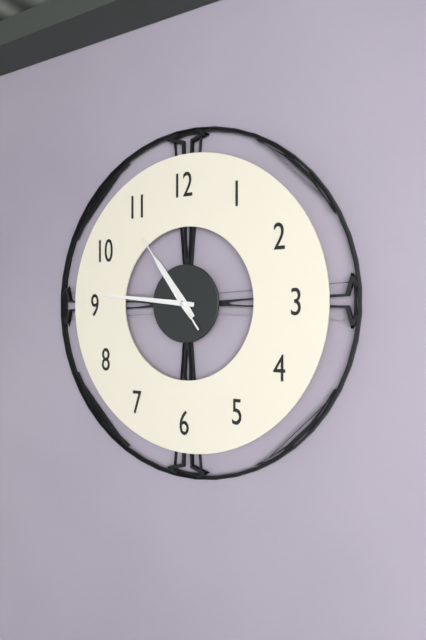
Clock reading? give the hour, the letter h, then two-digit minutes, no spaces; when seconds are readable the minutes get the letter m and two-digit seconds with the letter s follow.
10h46m54s
